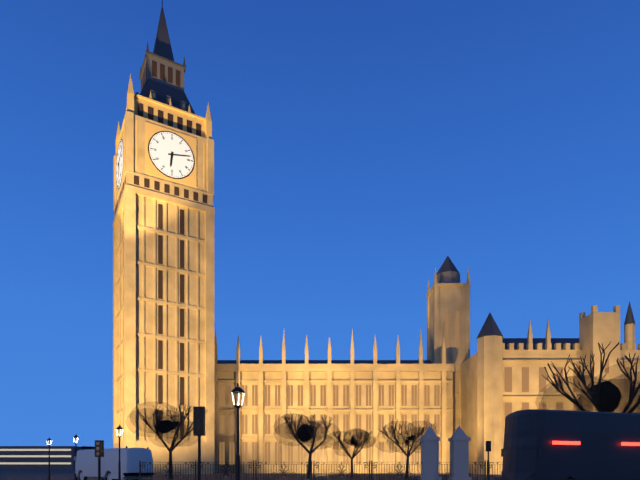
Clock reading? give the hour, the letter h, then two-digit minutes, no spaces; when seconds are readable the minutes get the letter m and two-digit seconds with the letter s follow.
6h13
